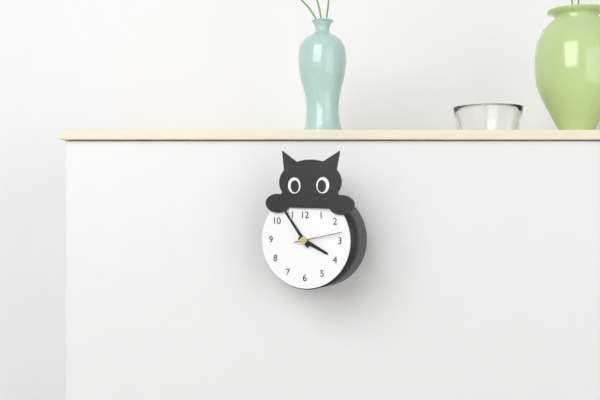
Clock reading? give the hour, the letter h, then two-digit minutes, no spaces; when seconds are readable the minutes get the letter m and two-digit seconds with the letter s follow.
3h54
